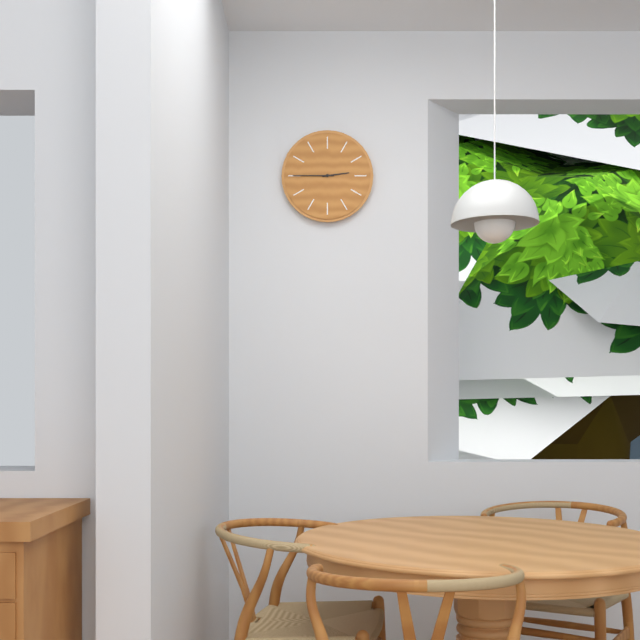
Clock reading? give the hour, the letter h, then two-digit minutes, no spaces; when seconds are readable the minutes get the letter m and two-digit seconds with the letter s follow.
2h45
